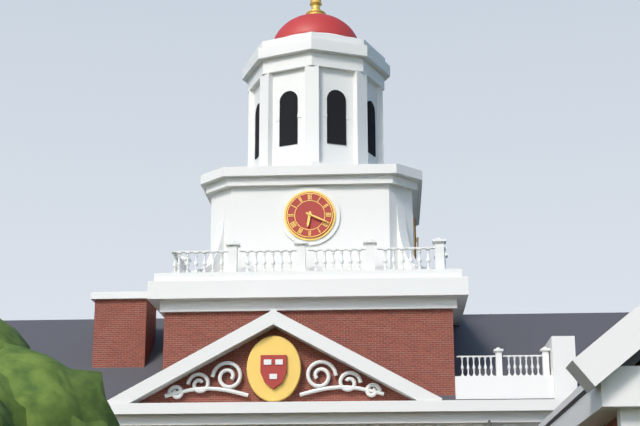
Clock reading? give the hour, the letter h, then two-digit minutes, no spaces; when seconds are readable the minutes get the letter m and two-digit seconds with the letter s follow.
6h19
